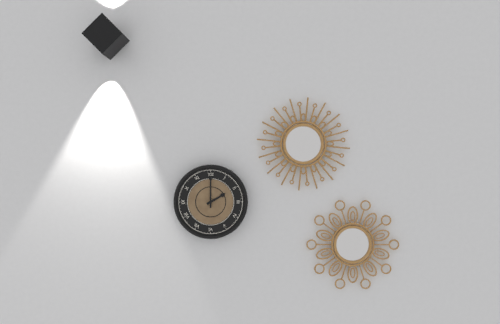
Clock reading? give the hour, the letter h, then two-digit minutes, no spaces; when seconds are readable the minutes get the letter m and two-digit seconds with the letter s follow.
2h00
